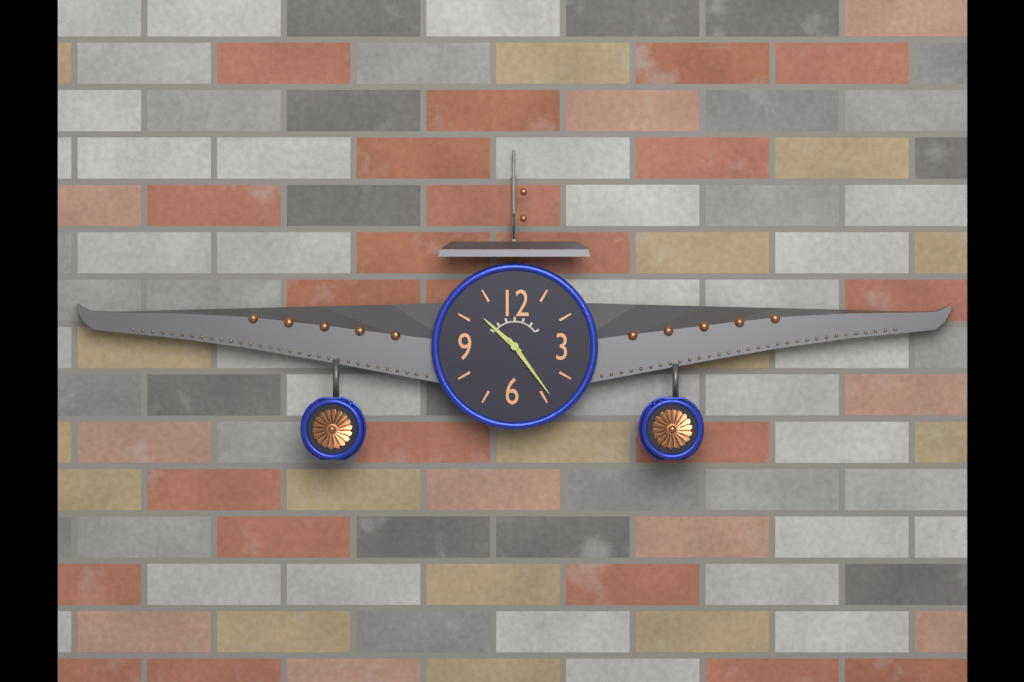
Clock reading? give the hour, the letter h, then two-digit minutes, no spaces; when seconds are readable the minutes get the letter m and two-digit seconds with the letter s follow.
10h24
